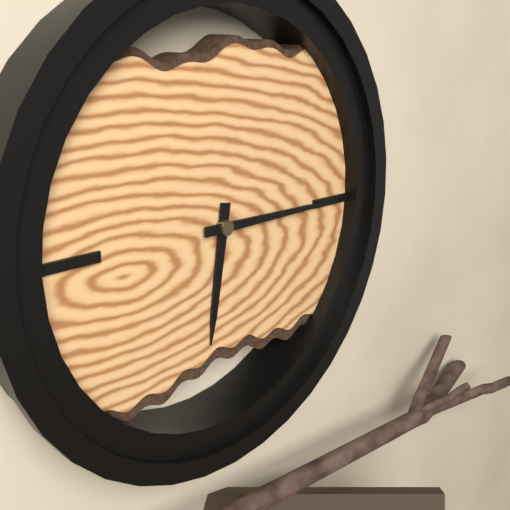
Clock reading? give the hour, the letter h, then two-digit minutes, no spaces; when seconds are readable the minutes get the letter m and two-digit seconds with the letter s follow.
6h15
